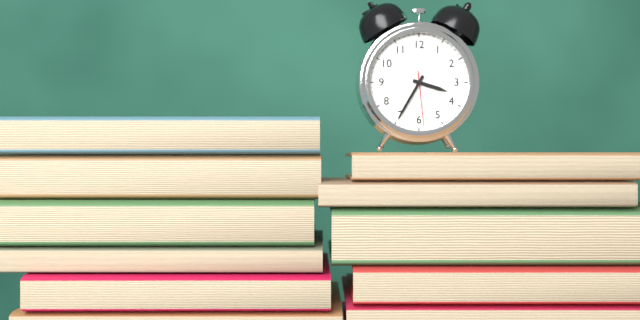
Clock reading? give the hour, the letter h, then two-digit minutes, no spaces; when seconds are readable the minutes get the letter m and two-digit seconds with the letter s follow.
3h35m29s
